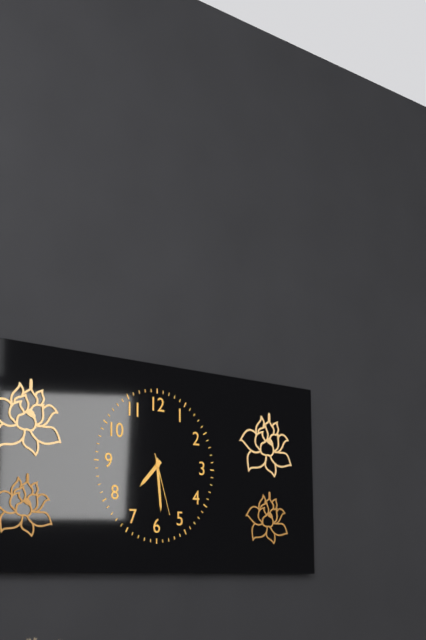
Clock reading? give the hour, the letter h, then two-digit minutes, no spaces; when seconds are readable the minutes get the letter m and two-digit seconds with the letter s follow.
7h29m27s
